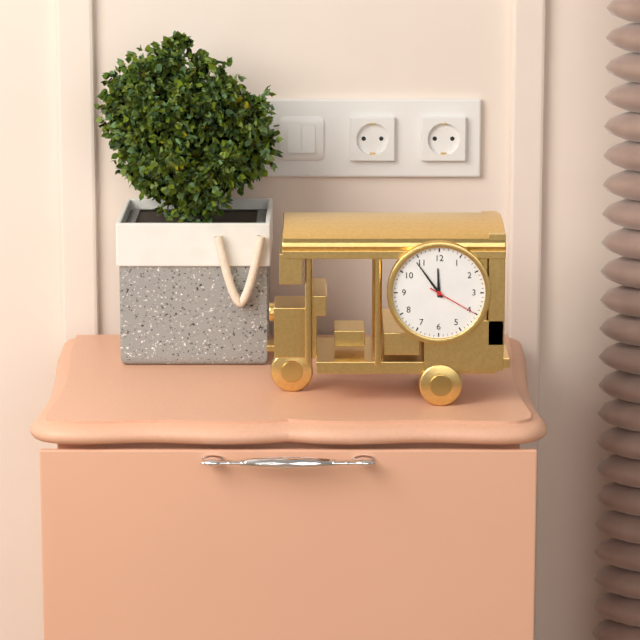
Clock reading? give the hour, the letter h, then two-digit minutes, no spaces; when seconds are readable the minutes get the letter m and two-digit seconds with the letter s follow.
11h54m20s
